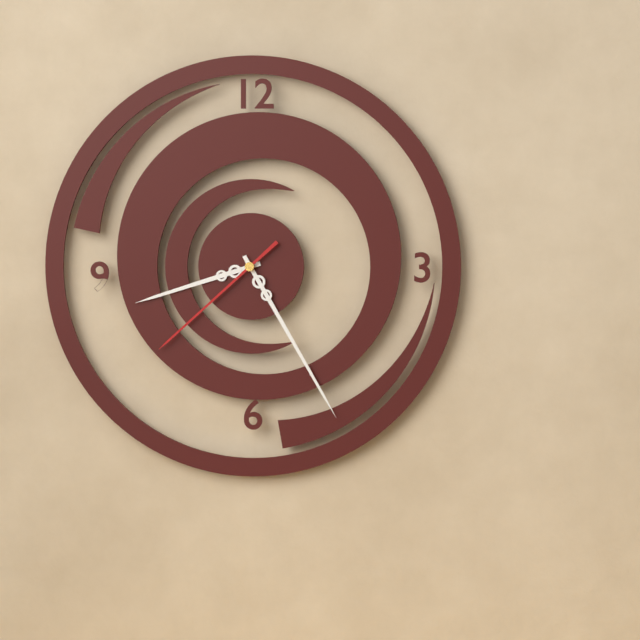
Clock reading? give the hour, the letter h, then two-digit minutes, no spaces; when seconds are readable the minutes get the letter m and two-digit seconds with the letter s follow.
8h25m38s
